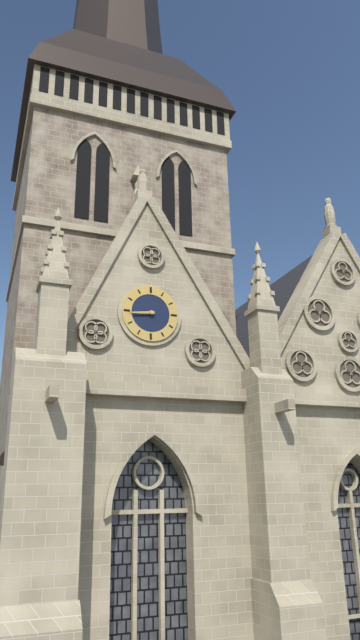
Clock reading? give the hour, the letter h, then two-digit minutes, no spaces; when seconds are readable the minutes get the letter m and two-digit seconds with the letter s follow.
8h44
